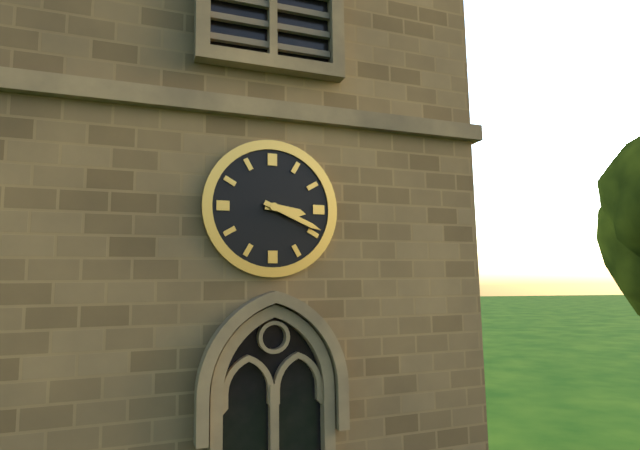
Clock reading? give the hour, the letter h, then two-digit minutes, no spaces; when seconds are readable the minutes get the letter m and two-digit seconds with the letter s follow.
3h19
